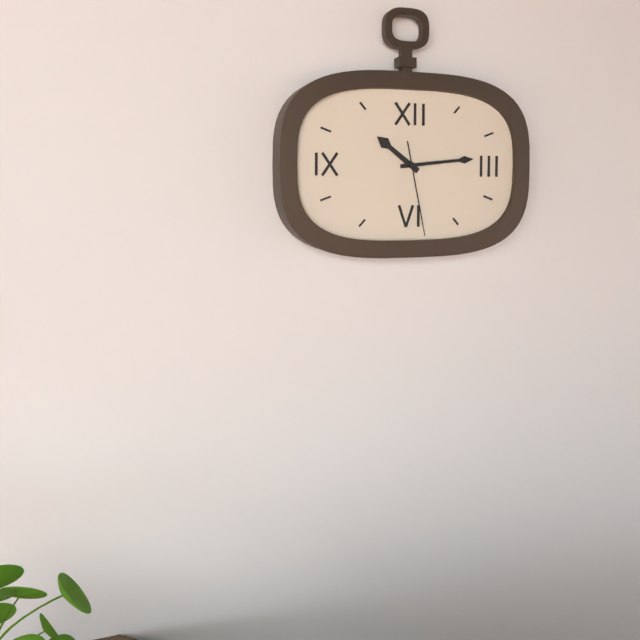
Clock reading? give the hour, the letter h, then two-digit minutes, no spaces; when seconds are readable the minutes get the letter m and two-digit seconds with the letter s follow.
10h14m28s
